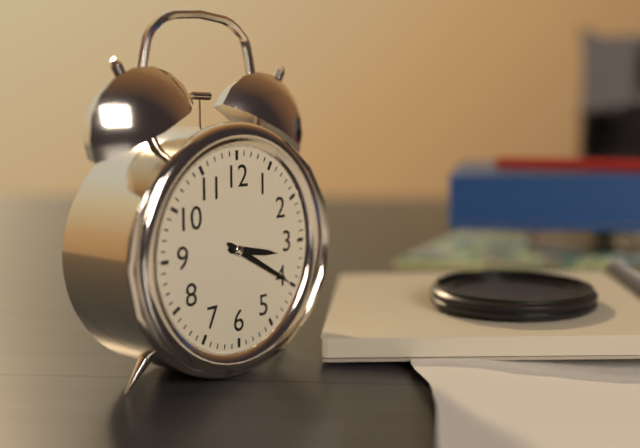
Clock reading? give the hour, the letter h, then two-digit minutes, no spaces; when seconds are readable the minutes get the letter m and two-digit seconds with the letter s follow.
3h20
